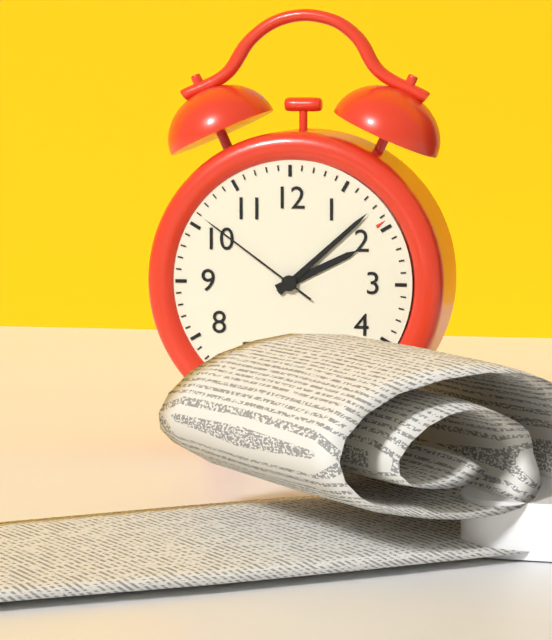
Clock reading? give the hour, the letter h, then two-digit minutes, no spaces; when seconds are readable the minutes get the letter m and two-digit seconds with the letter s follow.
2h08m51s
